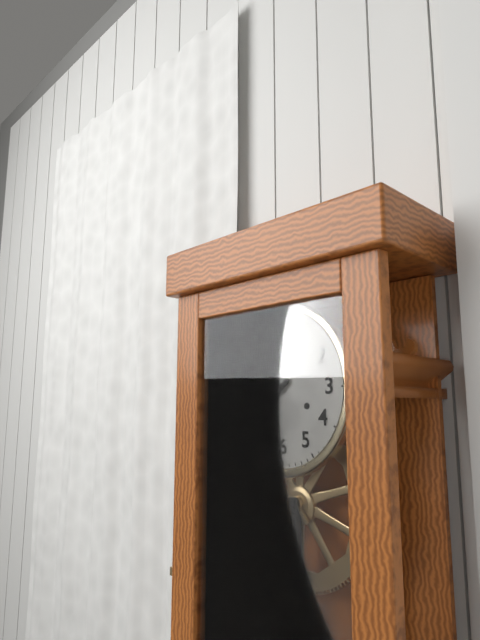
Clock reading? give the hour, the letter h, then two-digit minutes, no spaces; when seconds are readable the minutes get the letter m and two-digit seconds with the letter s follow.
7h39
